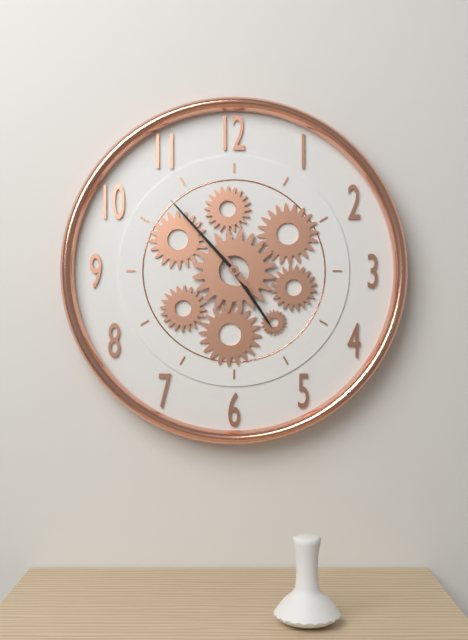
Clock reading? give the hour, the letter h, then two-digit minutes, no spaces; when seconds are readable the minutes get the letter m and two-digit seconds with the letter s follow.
4h53
